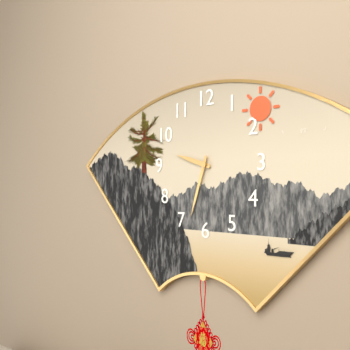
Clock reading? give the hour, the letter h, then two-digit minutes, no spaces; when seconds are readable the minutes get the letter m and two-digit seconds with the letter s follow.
9h33
